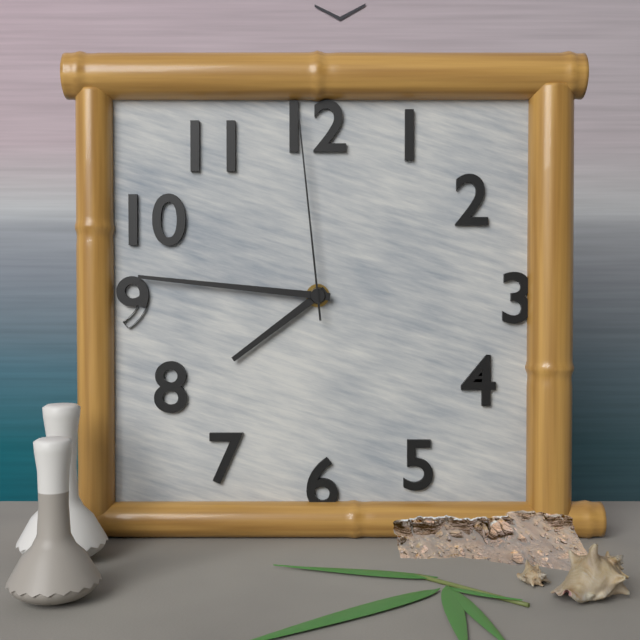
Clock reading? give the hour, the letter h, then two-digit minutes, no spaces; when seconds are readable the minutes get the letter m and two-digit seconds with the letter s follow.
7h46m59s
